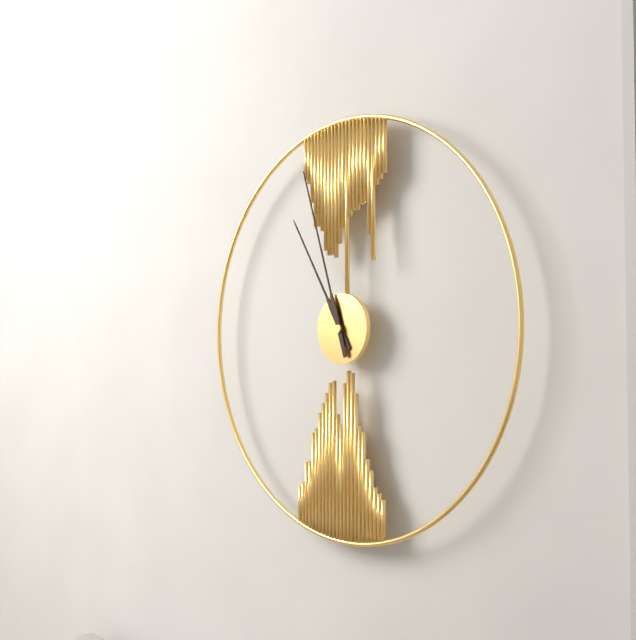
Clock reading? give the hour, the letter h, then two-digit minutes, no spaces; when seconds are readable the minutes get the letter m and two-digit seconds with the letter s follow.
10h57
